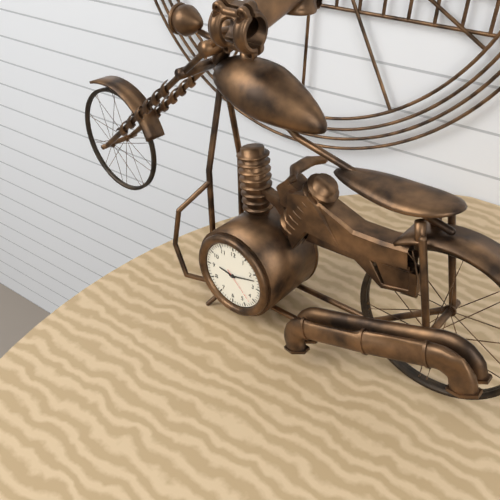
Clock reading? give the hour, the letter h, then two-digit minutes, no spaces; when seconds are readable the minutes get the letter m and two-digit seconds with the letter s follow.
9h12
